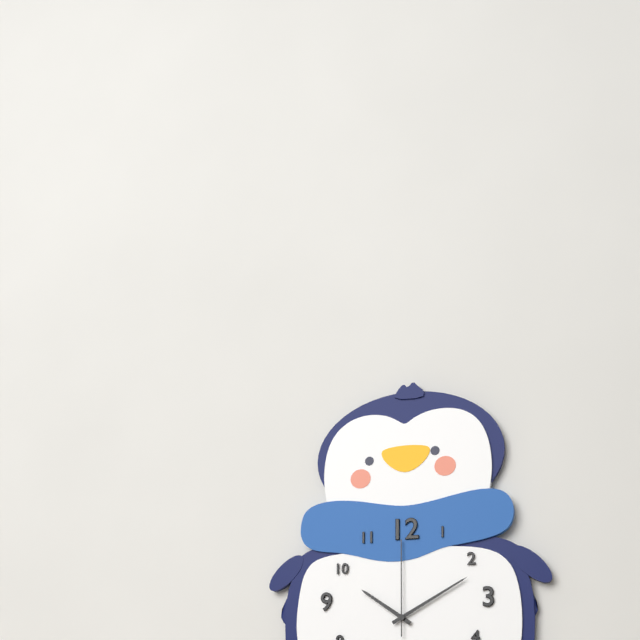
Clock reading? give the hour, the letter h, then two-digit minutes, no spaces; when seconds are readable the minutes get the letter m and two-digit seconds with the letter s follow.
10h10m00s
